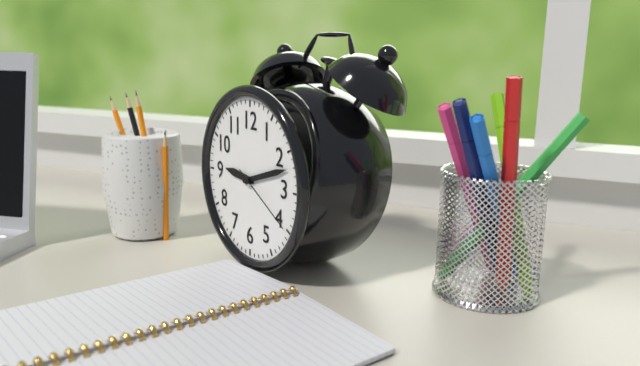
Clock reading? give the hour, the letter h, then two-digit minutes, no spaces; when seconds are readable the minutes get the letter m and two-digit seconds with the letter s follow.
9h12m20s
